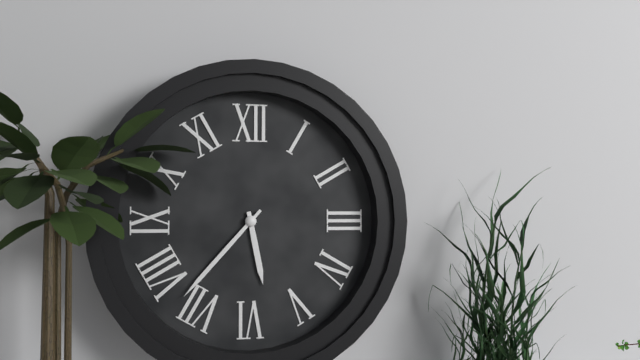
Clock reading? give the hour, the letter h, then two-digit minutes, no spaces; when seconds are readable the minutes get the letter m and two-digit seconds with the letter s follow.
5h37
